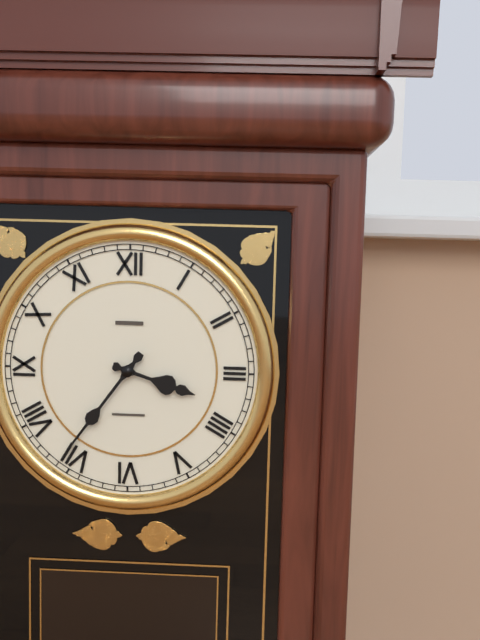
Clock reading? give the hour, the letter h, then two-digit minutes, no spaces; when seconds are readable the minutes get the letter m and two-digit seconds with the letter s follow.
3h36
